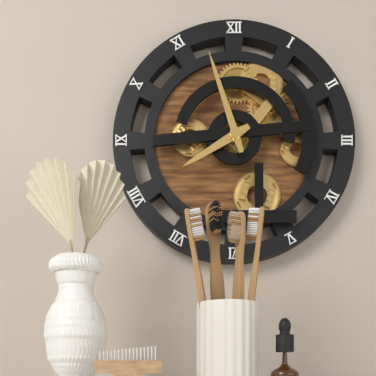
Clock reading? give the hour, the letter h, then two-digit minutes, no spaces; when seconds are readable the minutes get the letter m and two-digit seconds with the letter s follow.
7h57
